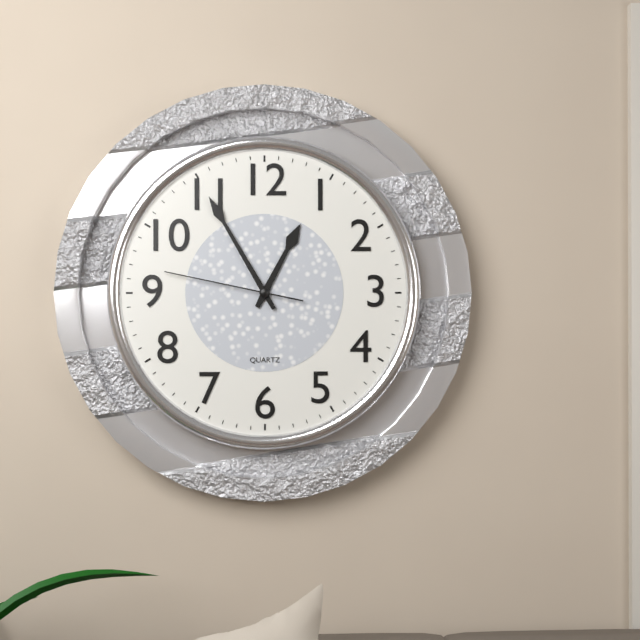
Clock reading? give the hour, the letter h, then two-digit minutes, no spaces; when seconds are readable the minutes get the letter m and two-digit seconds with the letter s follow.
12h55m47s
